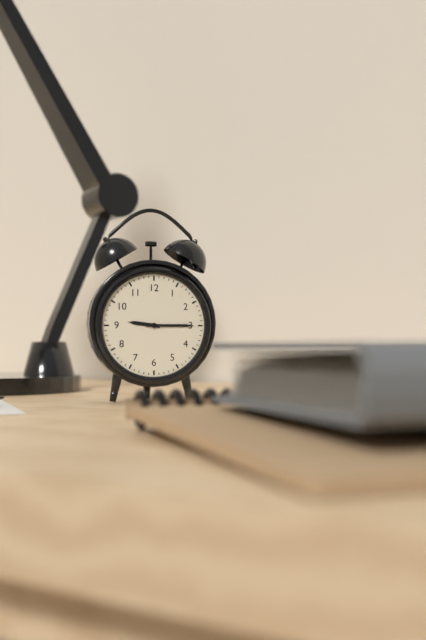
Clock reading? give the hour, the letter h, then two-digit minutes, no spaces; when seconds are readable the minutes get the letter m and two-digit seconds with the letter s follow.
9h15
